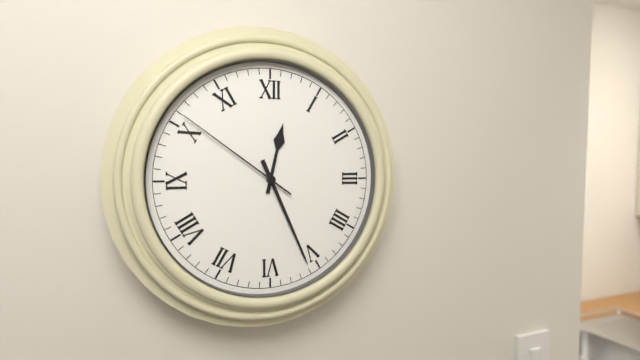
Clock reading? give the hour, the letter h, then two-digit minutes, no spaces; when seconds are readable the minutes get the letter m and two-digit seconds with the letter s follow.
12h26m51s
